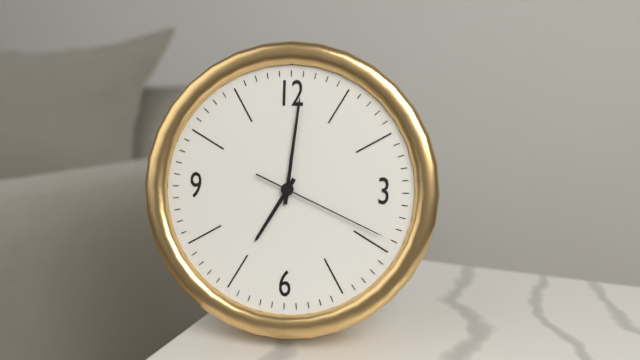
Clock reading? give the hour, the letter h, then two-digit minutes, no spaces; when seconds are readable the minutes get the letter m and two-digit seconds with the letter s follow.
7h01m19s
